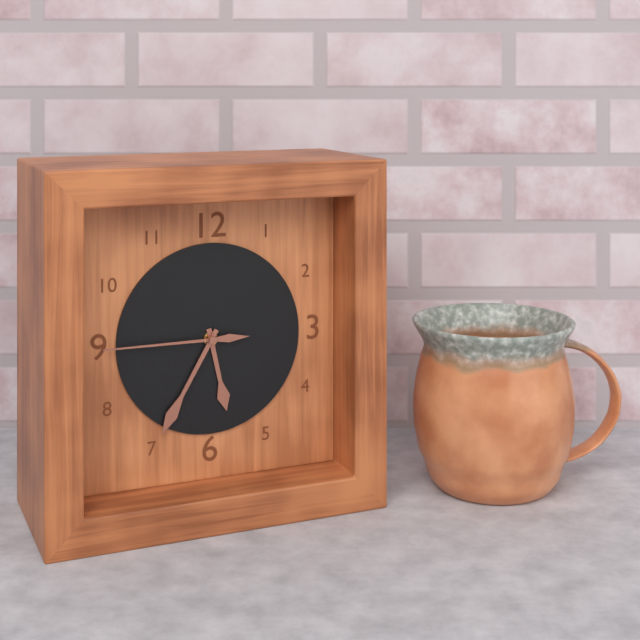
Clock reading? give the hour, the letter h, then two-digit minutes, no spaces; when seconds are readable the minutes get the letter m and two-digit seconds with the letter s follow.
5h35m45s
